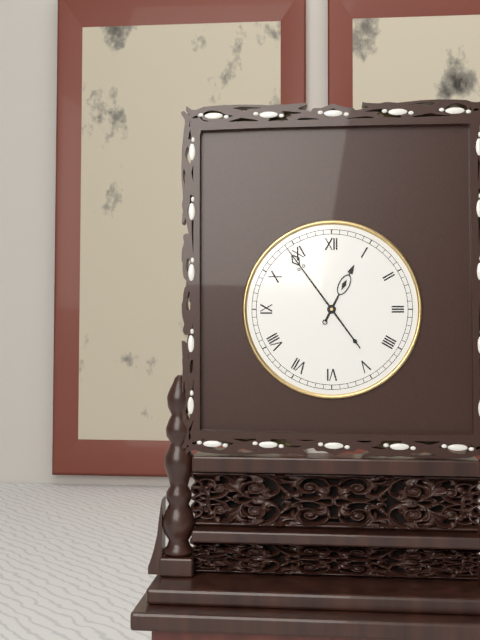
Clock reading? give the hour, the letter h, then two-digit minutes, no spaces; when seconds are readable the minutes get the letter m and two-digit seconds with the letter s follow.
12h54
